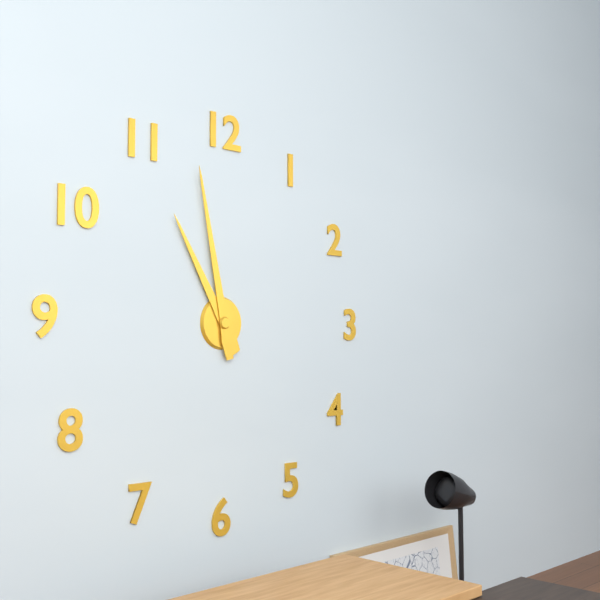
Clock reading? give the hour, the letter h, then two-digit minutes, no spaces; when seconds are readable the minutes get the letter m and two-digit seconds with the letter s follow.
10h58
